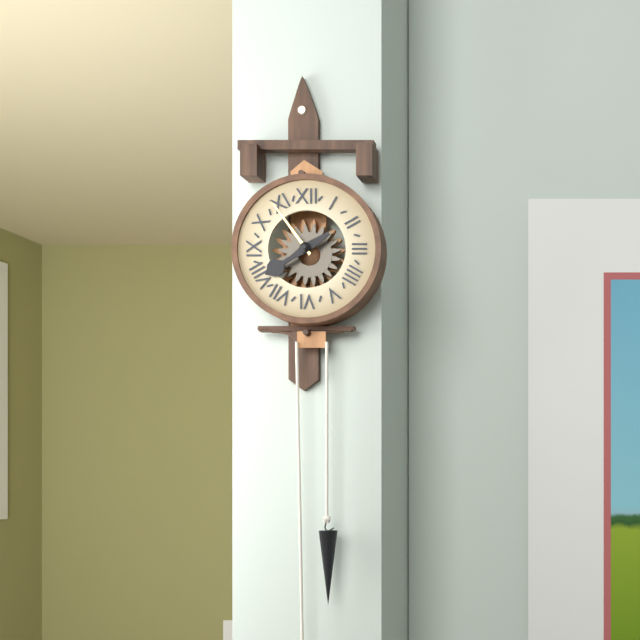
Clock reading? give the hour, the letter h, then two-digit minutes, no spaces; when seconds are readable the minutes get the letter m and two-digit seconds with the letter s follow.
7h54
